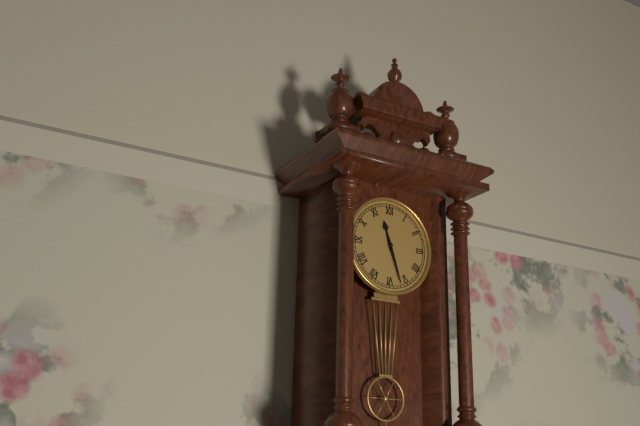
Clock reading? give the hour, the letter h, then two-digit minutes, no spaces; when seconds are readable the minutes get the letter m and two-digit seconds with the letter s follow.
11h27
